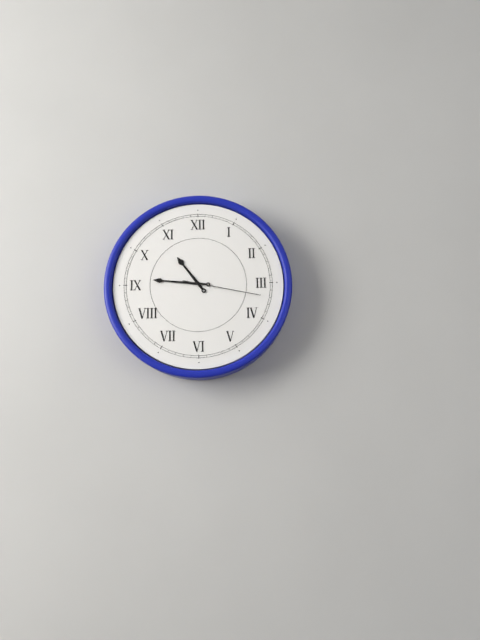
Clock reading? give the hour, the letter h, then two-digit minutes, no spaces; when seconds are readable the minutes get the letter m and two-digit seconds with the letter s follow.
10h46m17s
